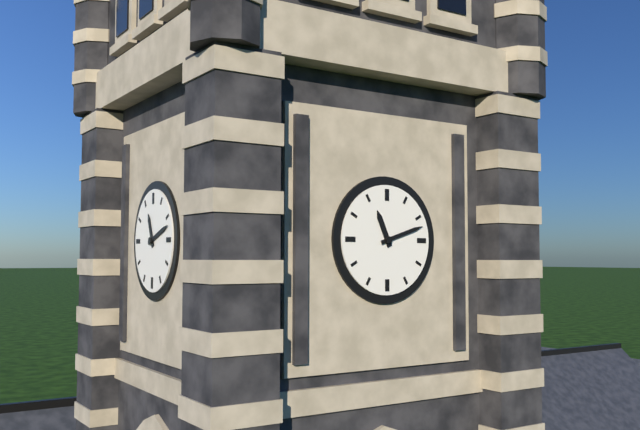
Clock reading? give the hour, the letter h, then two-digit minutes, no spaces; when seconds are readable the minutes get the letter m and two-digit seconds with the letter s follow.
11h12
